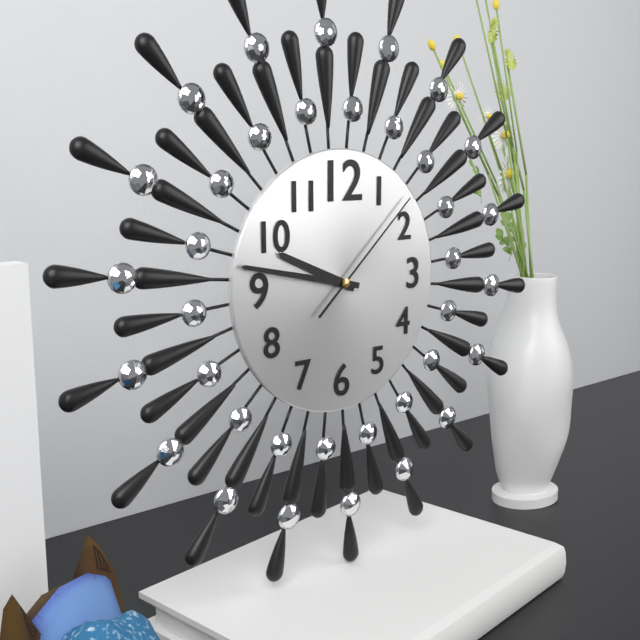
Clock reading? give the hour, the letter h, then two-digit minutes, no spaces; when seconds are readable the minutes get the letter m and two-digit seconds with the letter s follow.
9h47m08s
